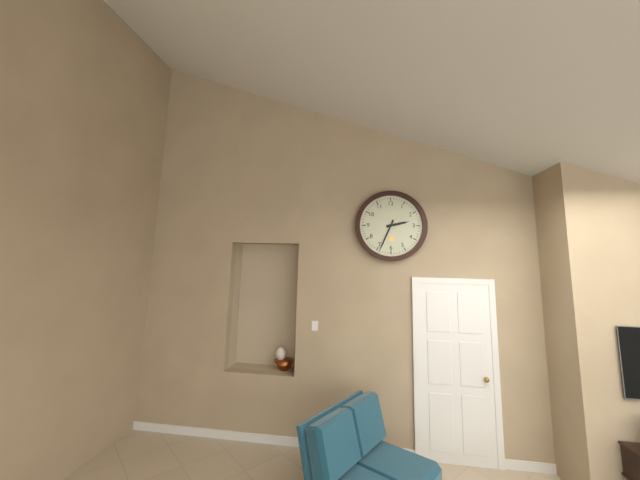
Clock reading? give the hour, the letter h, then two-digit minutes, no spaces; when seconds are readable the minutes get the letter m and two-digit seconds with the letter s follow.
2h34
